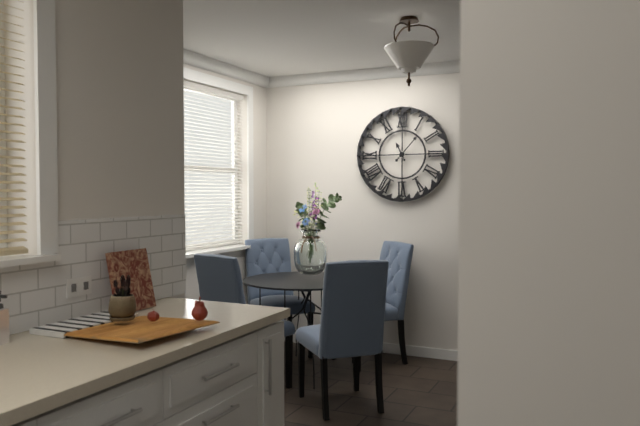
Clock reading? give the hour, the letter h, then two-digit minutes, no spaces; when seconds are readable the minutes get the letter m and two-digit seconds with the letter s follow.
11h07
